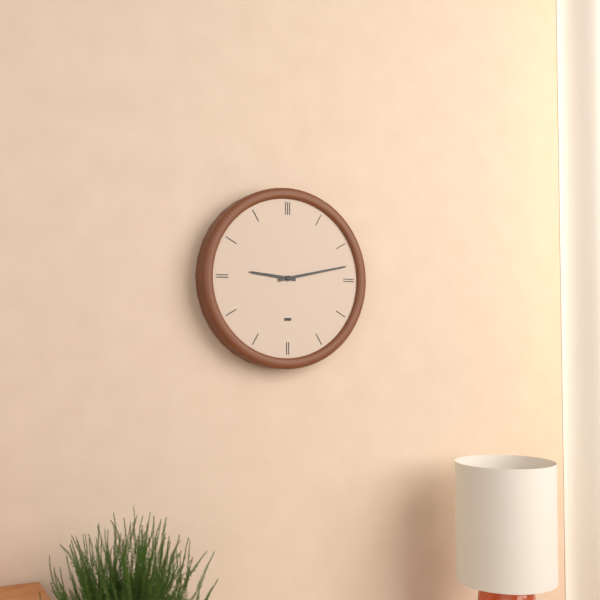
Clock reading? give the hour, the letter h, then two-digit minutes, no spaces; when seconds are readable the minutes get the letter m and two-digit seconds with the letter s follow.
9h13
